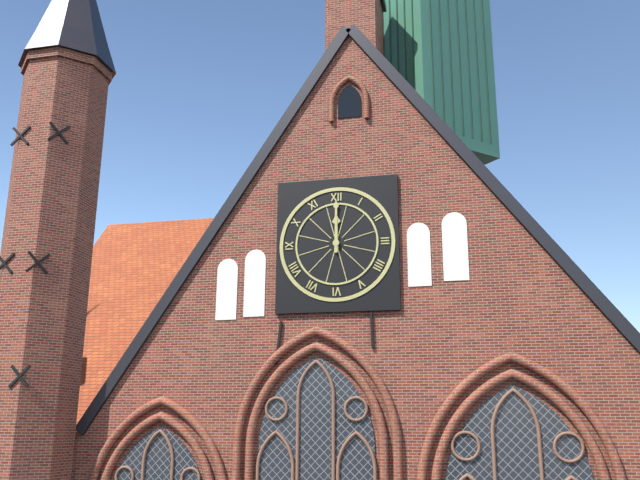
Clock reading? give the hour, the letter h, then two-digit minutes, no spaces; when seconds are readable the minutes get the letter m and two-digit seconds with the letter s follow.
12h00
